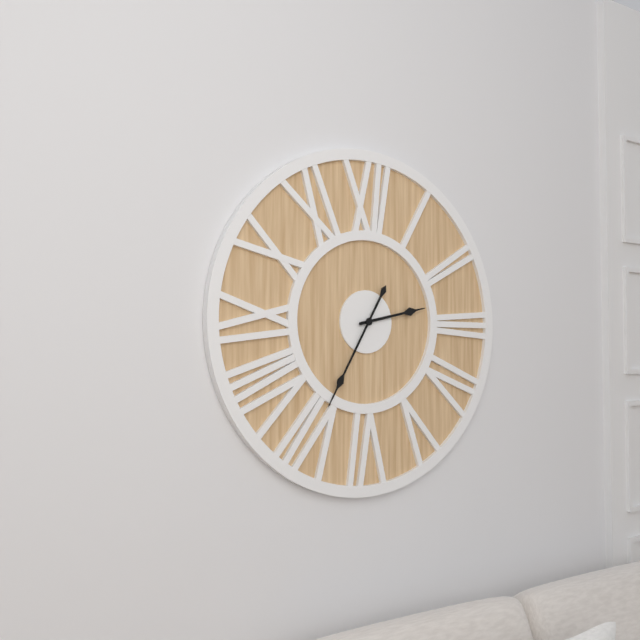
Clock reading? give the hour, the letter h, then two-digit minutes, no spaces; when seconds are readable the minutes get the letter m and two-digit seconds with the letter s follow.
2h35
